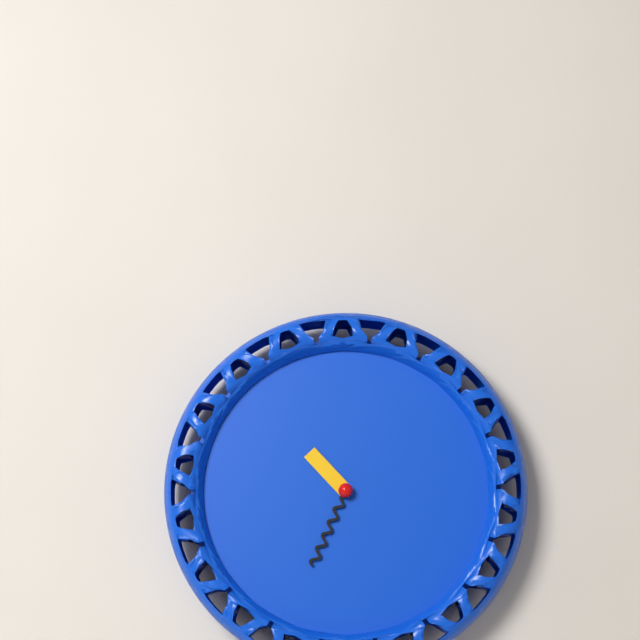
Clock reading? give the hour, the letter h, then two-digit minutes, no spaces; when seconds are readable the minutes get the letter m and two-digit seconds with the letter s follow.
10h34
